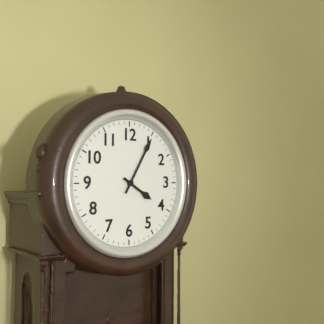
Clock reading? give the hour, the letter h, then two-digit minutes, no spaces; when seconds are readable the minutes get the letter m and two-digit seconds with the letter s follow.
4h05
